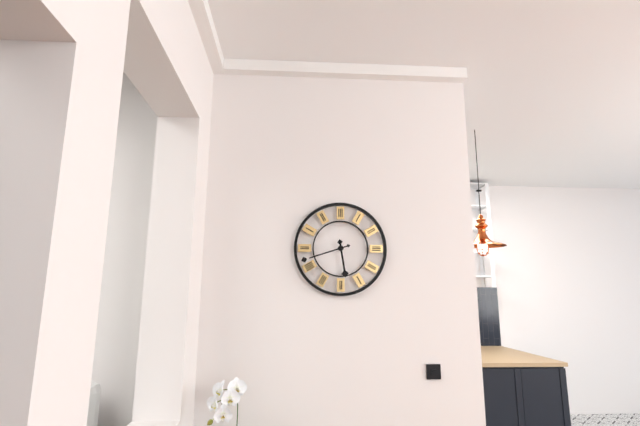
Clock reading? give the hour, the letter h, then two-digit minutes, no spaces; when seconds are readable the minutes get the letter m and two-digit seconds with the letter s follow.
5h42
